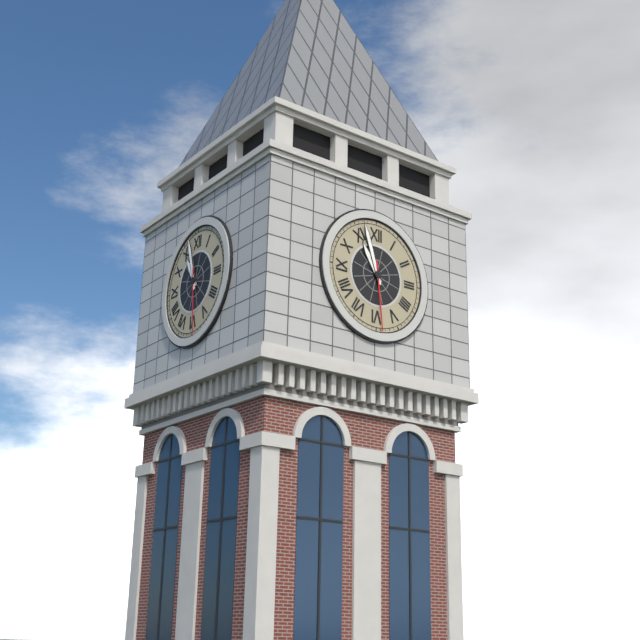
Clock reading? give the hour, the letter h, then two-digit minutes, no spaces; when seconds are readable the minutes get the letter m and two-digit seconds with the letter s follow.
10h57m29s
